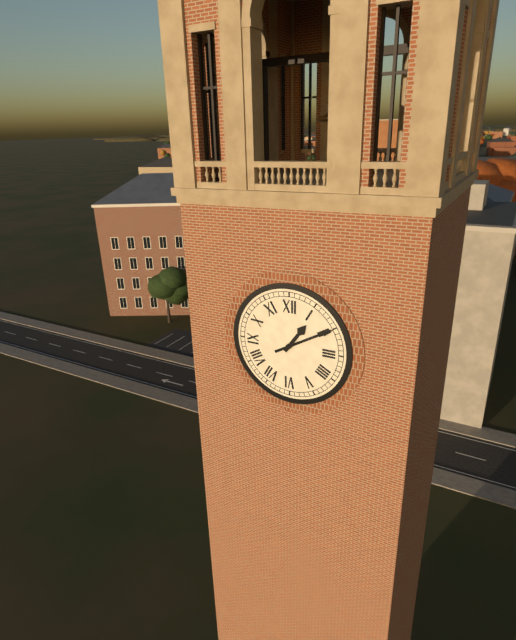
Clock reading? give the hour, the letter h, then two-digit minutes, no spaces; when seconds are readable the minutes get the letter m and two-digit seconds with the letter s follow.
1h10
